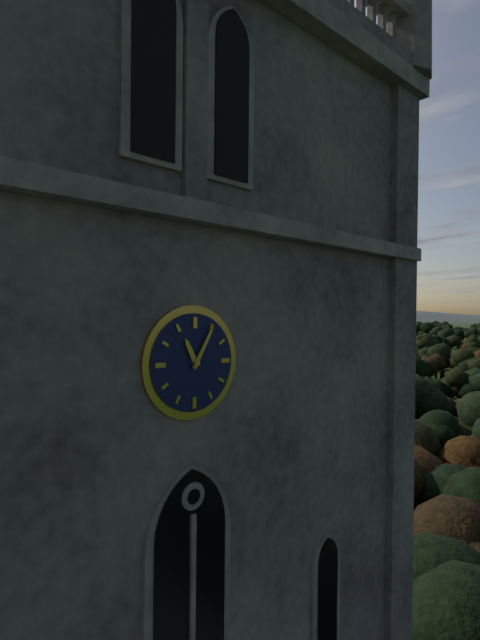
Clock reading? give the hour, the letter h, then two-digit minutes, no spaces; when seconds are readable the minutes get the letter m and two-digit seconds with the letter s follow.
11h05
